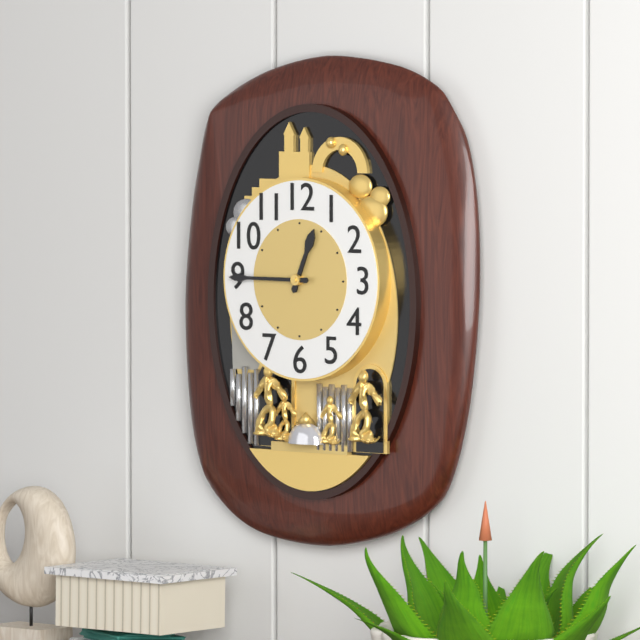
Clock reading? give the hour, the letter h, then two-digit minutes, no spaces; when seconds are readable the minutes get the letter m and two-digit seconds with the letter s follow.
12h45
